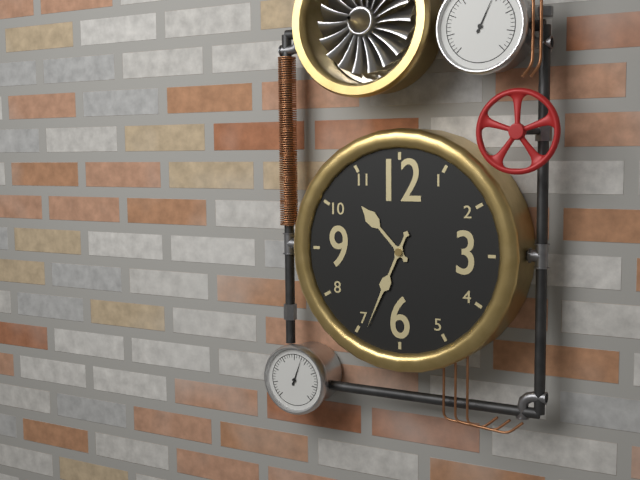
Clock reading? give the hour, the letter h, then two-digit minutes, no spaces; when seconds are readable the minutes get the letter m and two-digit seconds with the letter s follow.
10h34
